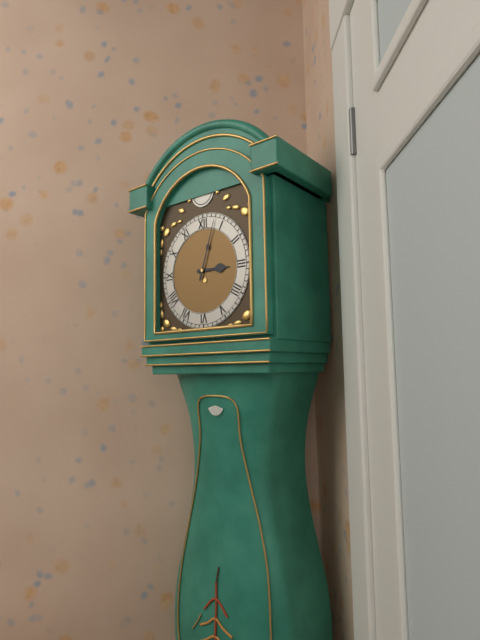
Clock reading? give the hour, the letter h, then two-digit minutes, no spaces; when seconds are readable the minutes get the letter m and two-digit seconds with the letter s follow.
3h03
